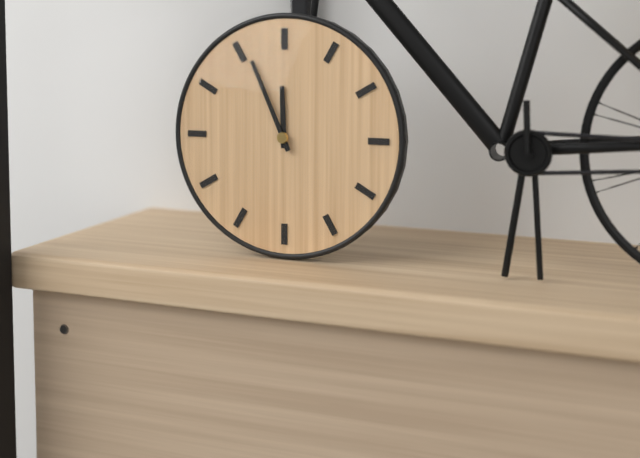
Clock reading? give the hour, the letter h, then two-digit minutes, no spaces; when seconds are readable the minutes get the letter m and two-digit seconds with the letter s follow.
11h56
